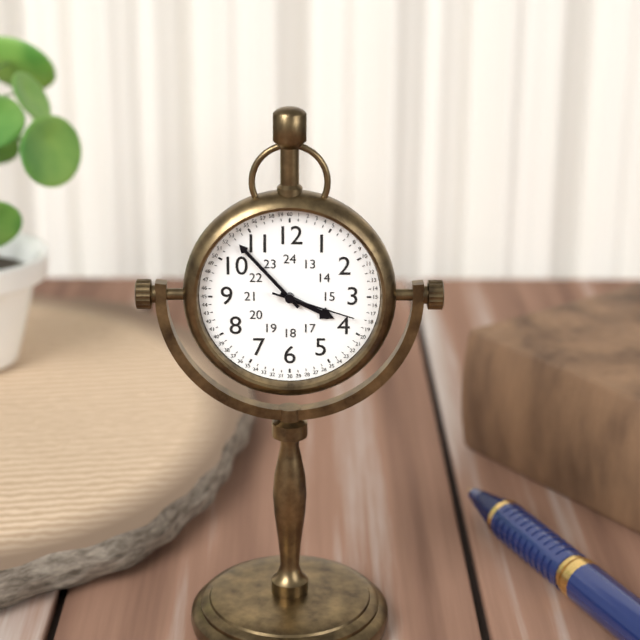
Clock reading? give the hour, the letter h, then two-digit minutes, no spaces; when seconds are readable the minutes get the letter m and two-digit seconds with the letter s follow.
3h53m18s
